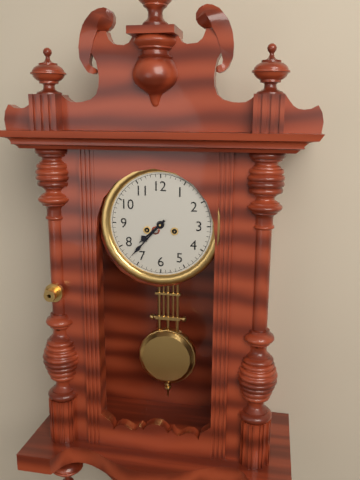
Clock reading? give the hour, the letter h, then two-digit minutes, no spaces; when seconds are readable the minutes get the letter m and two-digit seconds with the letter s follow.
7h37
